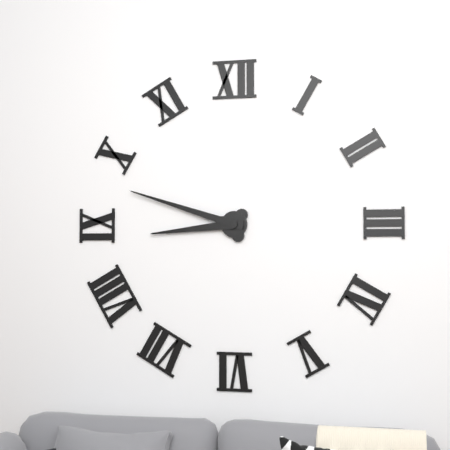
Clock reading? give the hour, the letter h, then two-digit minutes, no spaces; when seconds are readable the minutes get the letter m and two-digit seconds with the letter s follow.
8h48
